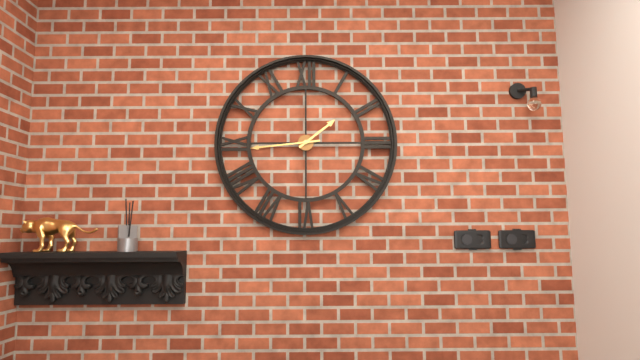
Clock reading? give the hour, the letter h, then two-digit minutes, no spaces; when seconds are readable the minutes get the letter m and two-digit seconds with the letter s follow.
1h44
